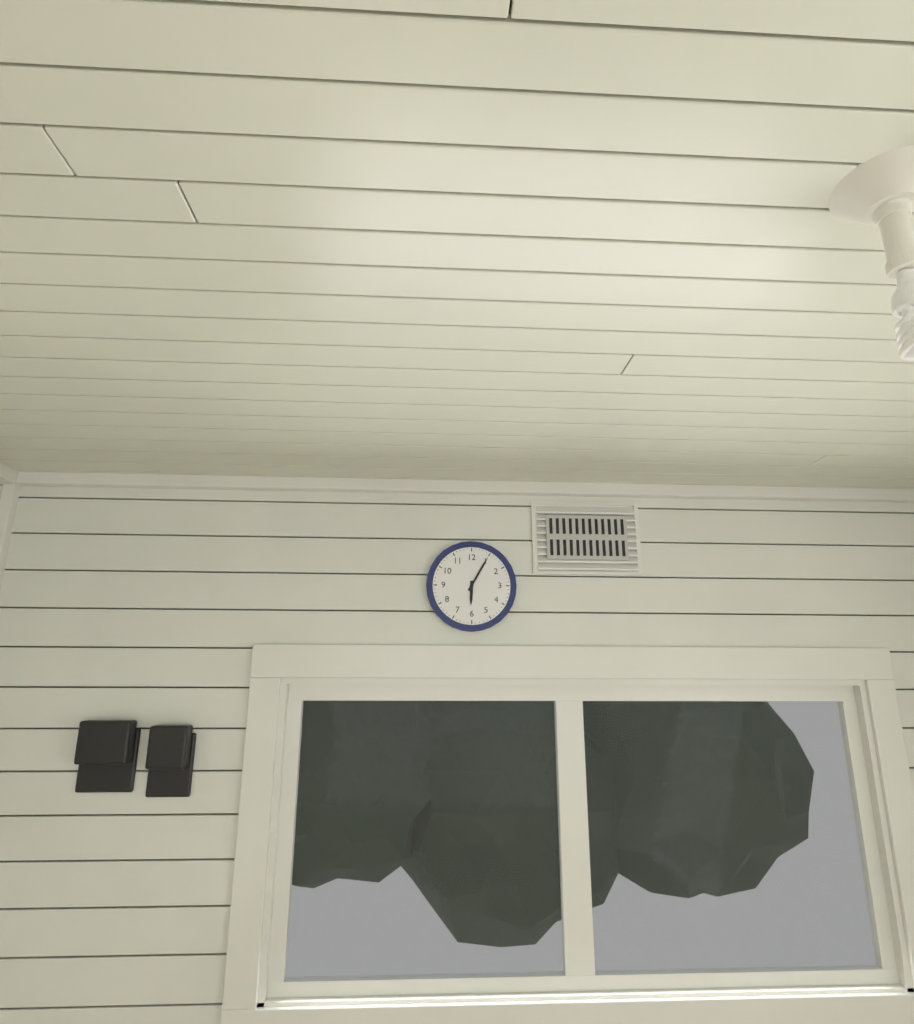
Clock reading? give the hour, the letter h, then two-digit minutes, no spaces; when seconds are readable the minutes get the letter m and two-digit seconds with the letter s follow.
6h05
